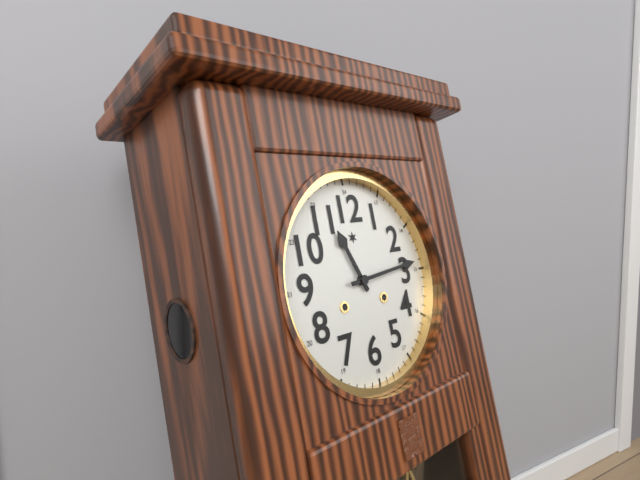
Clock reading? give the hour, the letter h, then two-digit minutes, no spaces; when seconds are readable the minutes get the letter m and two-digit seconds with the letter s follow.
11h14
